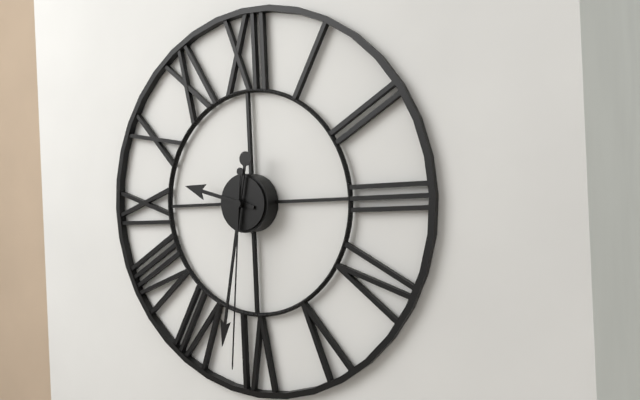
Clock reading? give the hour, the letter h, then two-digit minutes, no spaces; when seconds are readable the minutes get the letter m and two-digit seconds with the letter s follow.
9h32m31s
